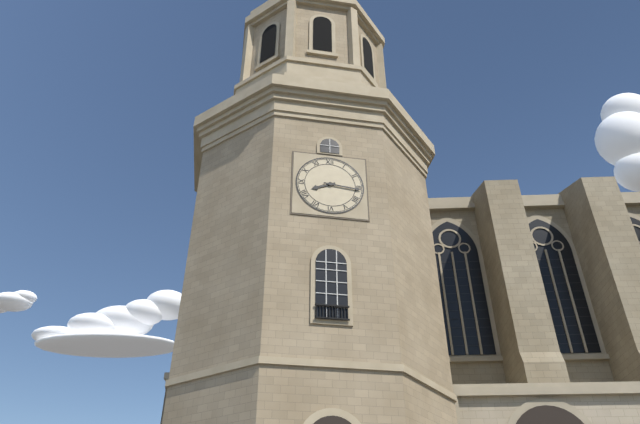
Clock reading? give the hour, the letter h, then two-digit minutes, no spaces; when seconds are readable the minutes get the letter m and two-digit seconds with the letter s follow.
8h16
